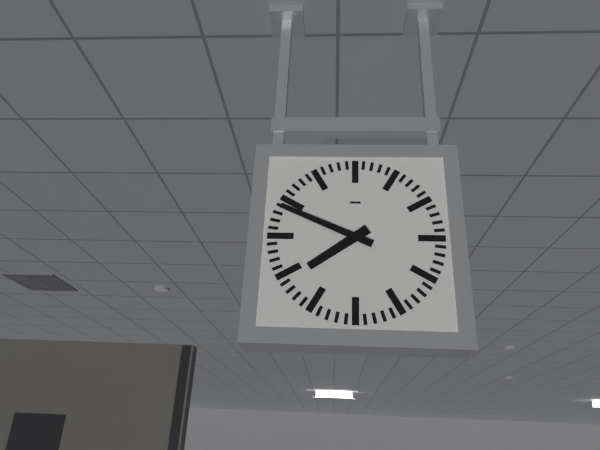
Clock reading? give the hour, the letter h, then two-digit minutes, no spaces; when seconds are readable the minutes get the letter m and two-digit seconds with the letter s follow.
7h49
